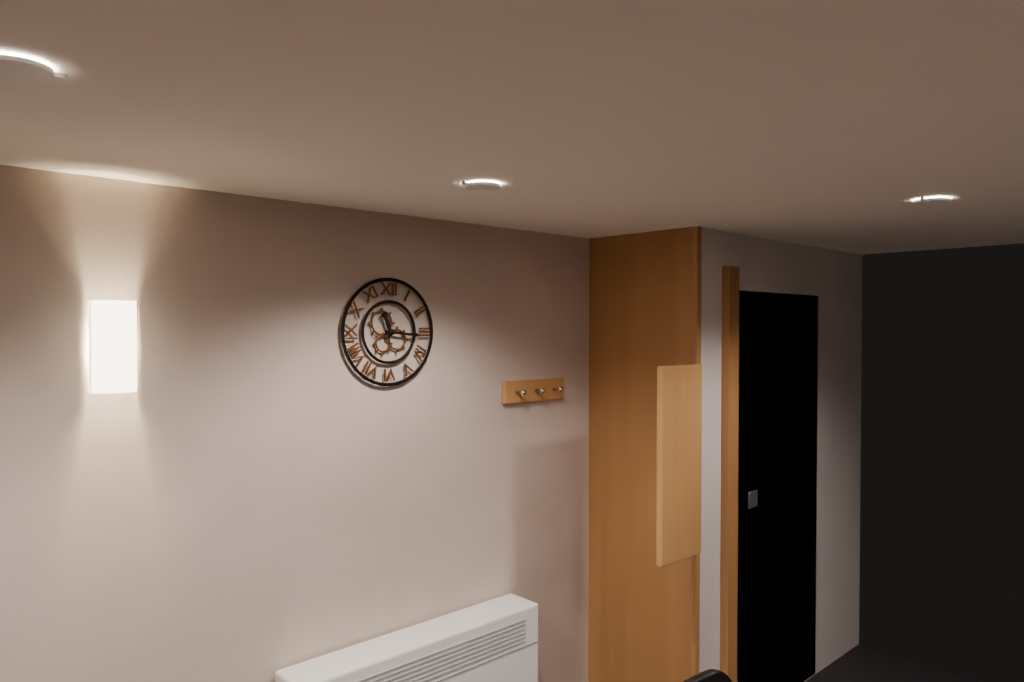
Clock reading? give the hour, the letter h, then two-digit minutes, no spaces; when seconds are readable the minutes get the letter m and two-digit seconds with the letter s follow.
11h16
